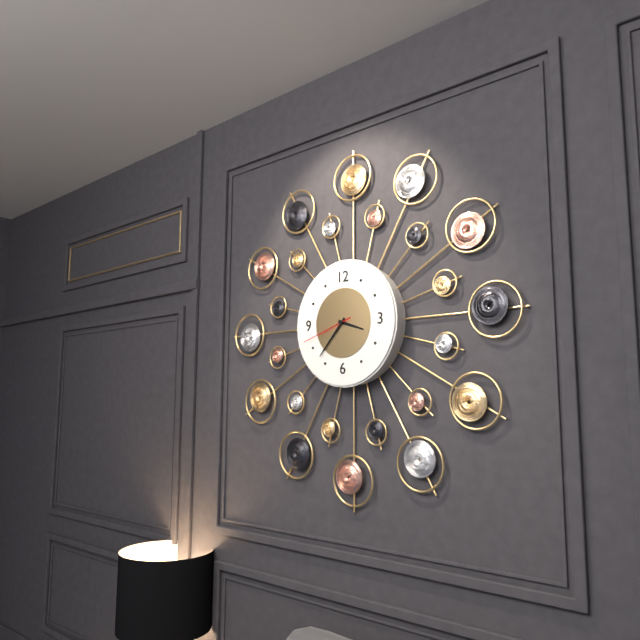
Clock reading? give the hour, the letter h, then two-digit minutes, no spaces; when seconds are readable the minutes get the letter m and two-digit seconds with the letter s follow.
3h37m42s
